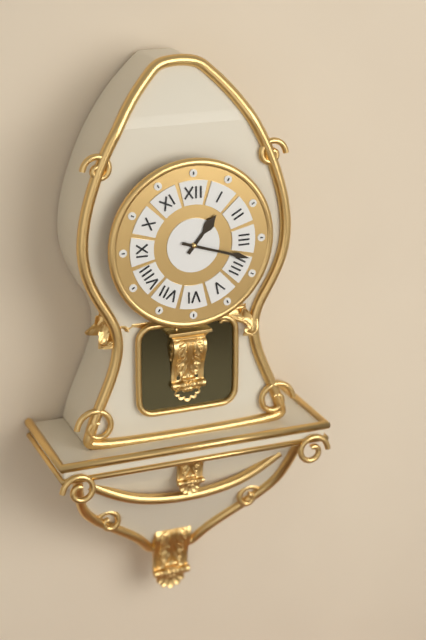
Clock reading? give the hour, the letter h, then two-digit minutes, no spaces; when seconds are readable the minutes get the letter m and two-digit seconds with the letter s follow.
1h18
